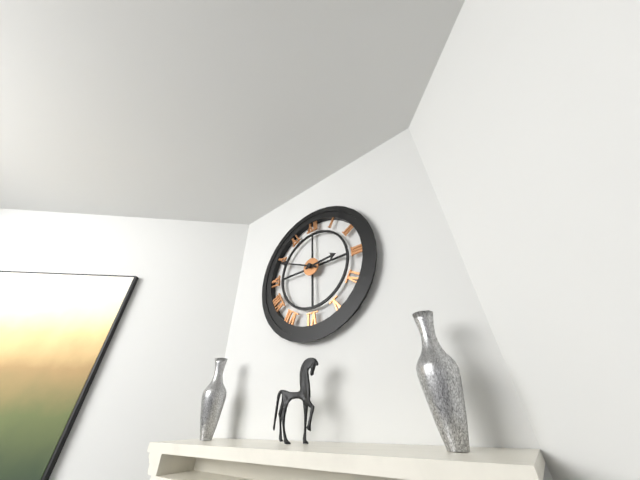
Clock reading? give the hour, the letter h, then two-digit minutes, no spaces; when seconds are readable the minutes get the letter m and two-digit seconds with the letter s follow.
2h49
